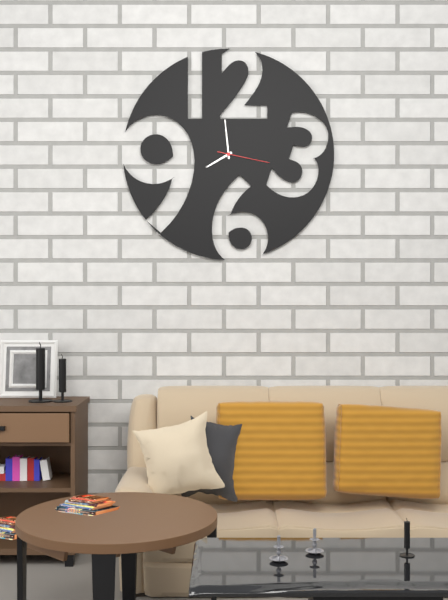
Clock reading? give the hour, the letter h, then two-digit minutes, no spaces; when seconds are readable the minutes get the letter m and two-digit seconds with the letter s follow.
7h59m17s
